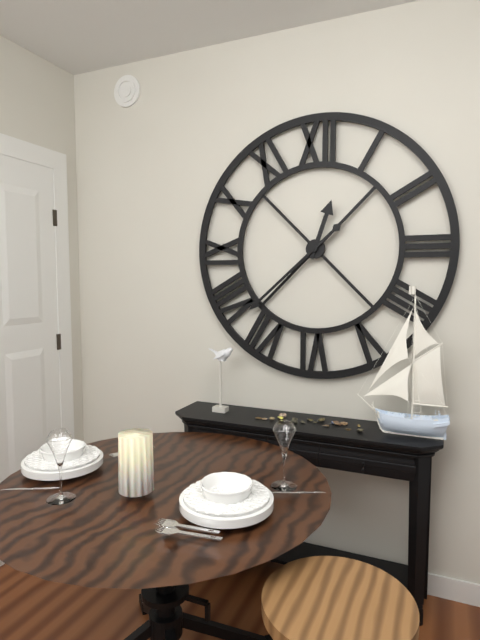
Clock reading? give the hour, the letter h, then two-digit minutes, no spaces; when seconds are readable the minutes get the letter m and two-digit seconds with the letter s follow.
12h38
